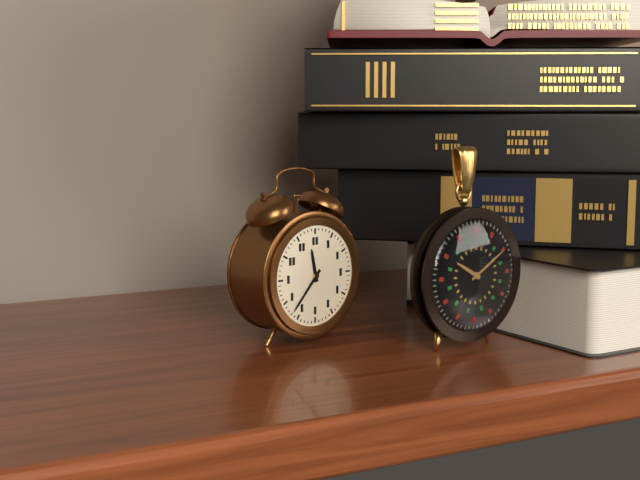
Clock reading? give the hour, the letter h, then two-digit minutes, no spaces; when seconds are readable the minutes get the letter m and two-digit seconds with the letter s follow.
11h37
